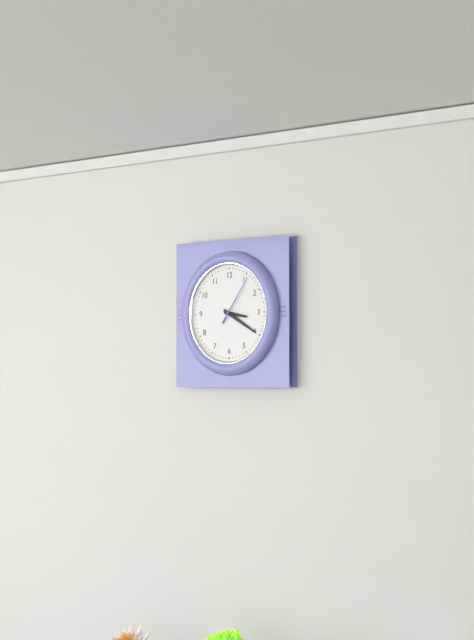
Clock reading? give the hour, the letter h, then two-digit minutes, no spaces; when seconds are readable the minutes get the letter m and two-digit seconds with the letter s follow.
3h20
